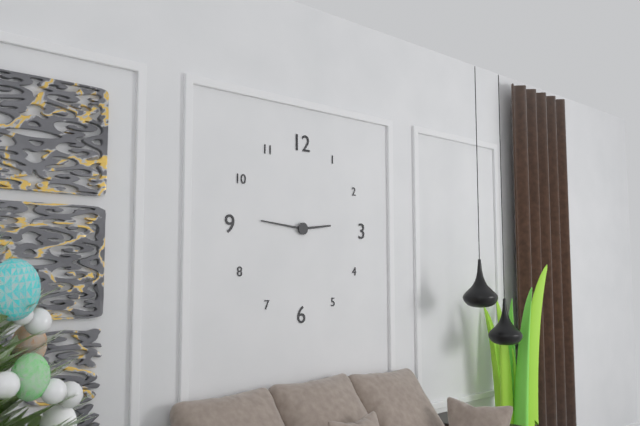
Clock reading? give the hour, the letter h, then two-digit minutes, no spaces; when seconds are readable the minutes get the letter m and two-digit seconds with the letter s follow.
2h46
